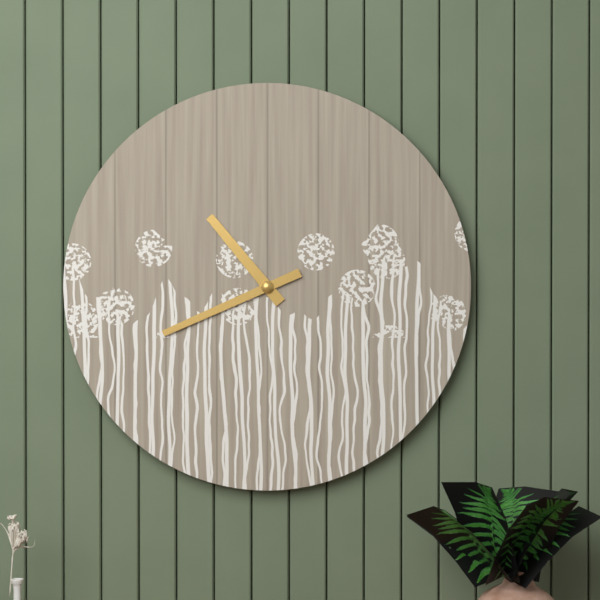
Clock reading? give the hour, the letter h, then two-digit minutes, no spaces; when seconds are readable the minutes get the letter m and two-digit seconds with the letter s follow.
10h41
